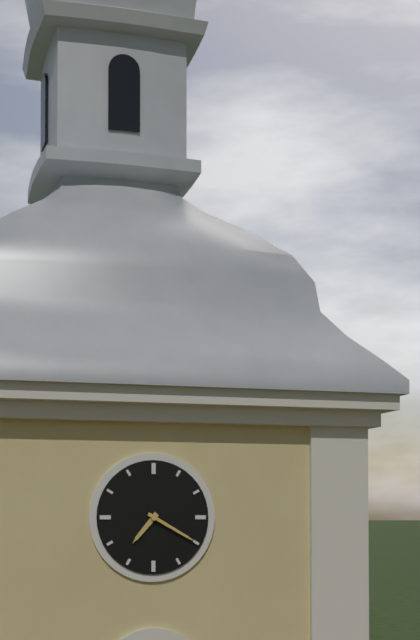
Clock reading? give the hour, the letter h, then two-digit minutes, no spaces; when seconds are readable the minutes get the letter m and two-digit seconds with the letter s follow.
7h20
